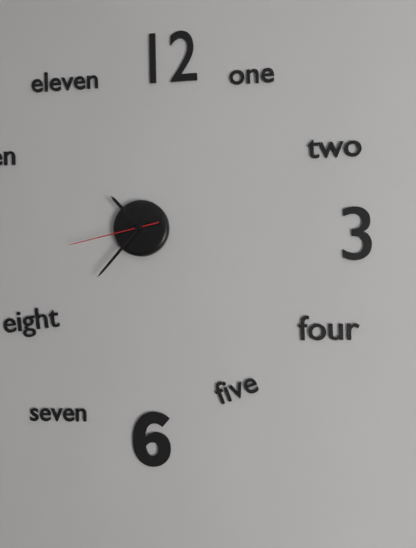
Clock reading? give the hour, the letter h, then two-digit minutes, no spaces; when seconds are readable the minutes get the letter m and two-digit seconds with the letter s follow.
10h37m43s
